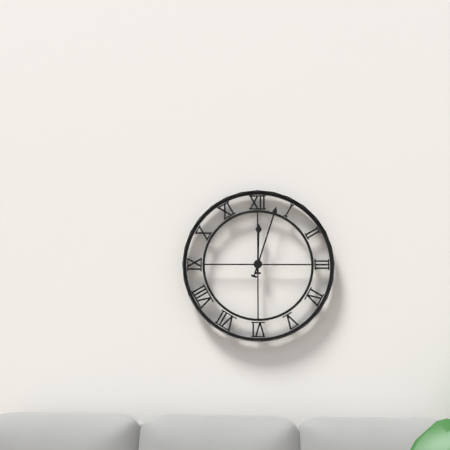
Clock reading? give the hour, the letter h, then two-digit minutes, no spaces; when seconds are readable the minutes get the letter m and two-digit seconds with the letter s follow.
12h03
